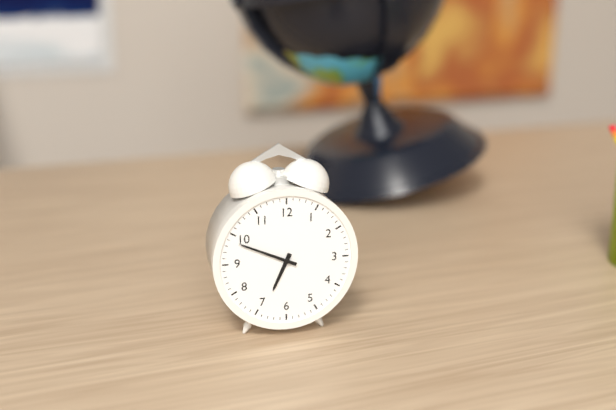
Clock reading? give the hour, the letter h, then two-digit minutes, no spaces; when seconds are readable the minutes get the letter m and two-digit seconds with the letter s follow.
6h49
